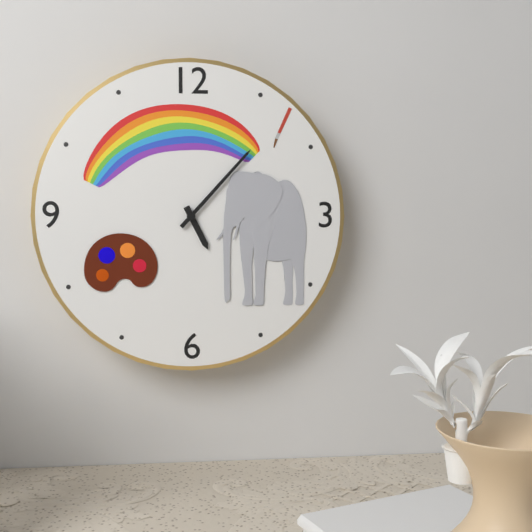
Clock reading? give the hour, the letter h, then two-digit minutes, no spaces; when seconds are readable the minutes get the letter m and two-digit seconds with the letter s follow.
5h07
